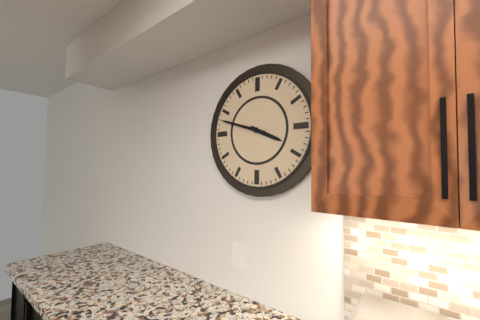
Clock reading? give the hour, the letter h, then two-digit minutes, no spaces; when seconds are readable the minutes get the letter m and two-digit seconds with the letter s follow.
3h48
